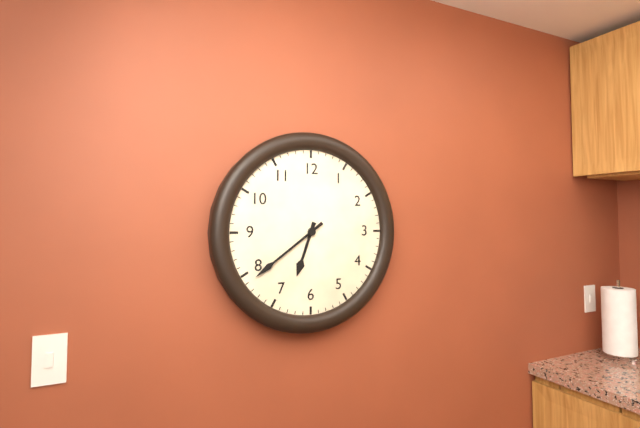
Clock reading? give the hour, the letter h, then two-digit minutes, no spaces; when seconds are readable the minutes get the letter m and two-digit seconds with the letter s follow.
6h39
